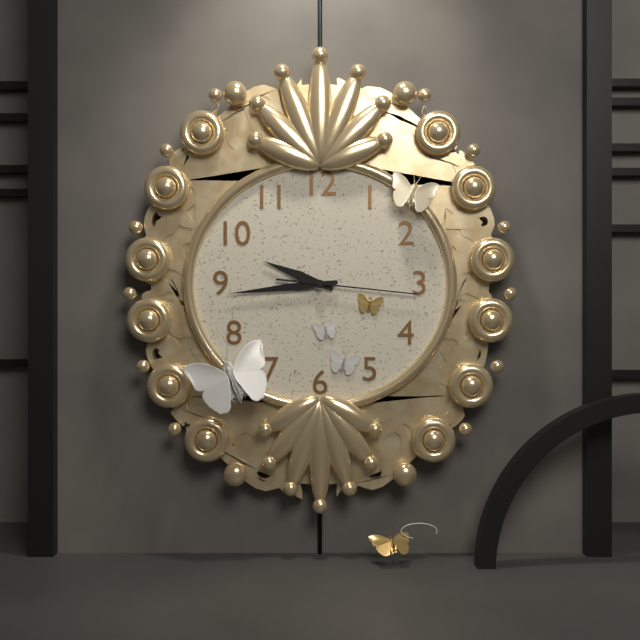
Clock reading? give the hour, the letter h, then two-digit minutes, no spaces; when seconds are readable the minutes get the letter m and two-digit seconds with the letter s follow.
9h44m16s
